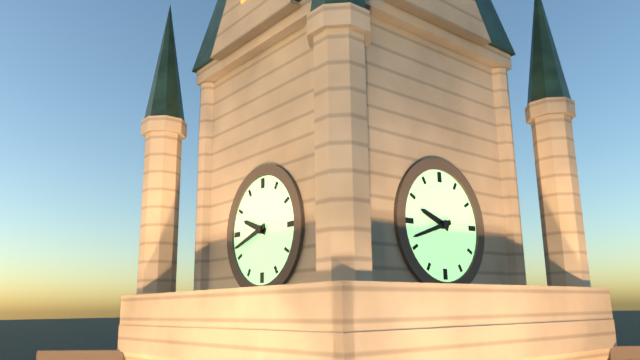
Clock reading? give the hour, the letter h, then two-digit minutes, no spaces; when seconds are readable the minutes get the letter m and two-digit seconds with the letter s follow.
9h42
